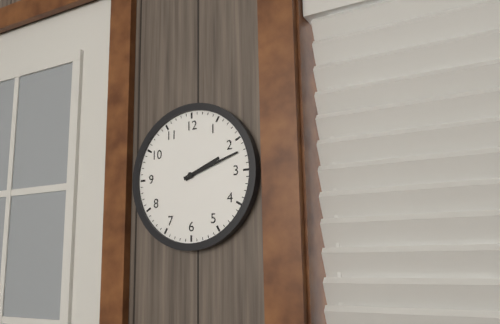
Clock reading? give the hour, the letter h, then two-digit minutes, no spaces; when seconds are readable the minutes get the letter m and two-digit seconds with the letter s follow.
2h12
